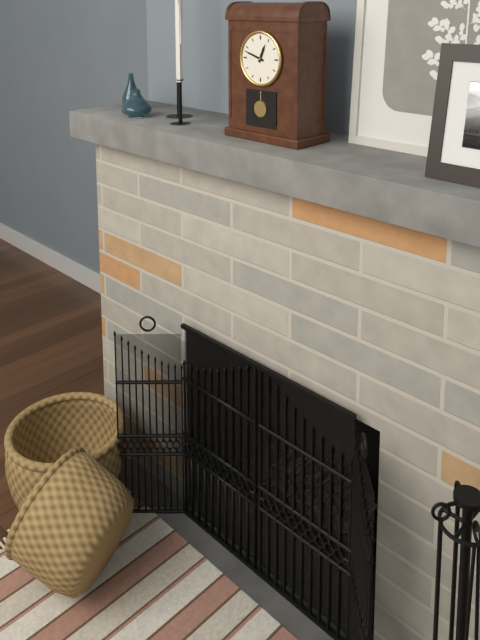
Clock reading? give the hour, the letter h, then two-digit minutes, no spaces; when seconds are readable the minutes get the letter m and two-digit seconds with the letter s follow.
12h48
